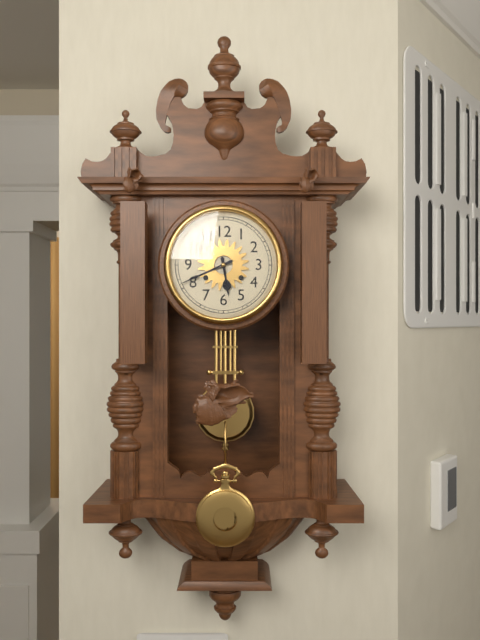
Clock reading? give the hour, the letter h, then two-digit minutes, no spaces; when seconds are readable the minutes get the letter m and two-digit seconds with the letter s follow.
5h41
